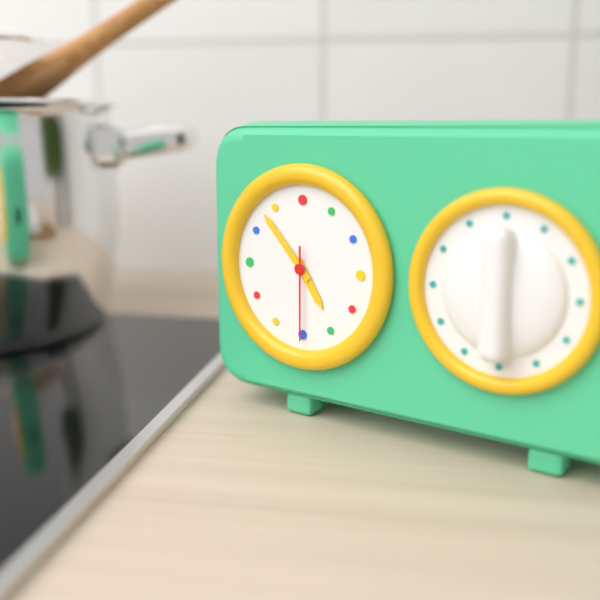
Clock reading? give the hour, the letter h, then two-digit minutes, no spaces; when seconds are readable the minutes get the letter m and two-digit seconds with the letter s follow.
4h53m30s
